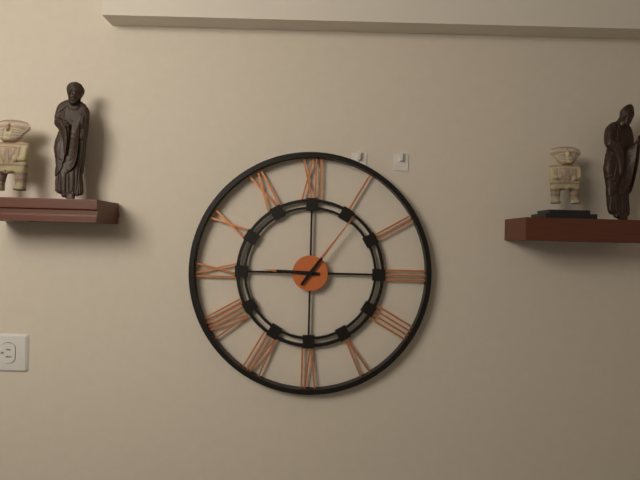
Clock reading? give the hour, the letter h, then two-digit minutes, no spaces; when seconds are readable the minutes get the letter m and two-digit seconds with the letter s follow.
9h06
